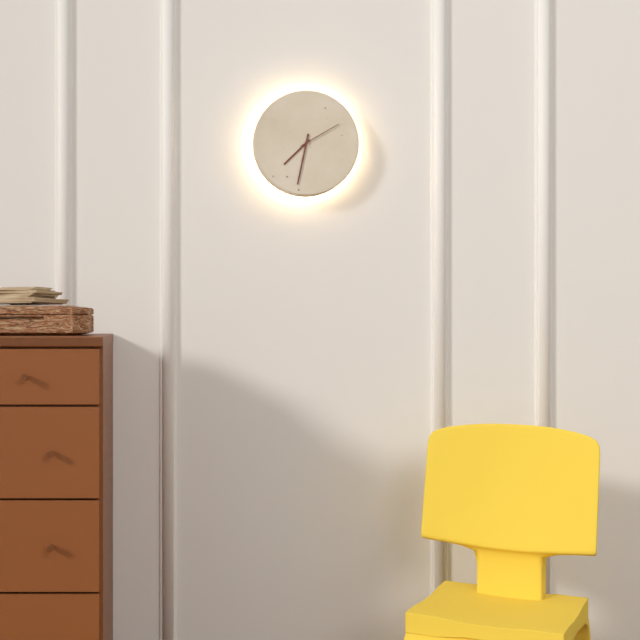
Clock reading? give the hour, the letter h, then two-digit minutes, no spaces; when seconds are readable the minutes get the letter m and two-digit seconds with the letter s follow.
7h32
